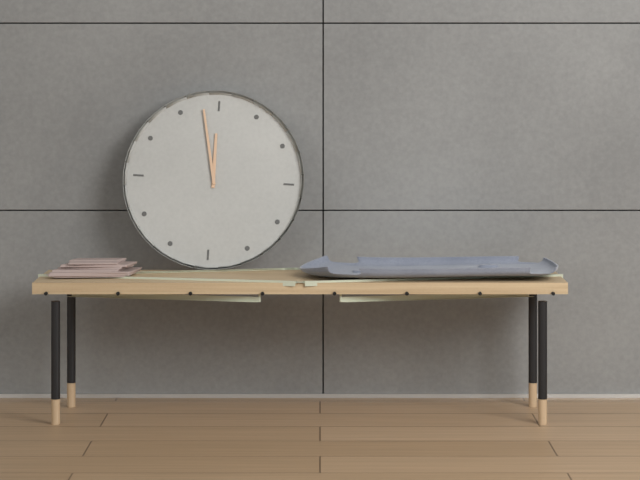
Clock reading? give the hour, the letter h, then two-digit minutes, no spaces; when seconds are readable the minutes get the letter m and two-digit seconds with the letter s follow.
11h58
